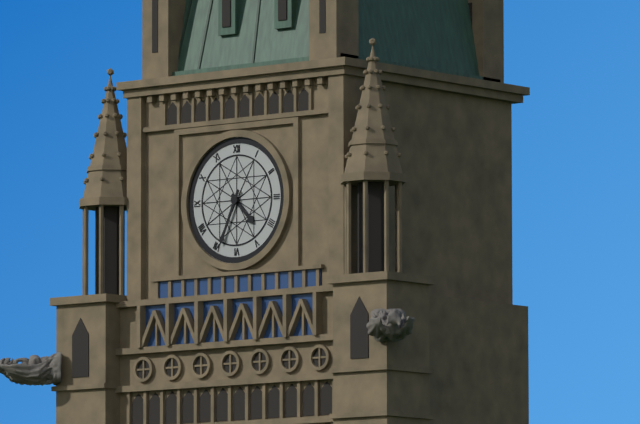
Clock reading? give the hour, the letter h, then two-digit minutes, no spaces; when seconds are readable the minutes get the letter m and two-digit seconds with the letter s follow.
4h34
